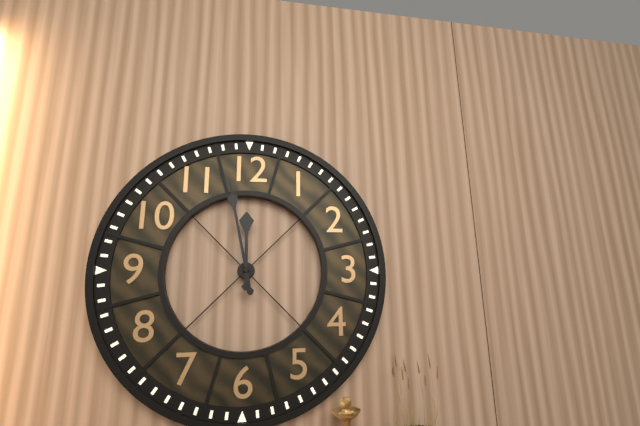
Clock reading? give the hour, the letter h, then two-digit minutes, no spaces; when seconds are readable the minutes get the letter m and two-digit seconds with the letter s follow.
11h58
